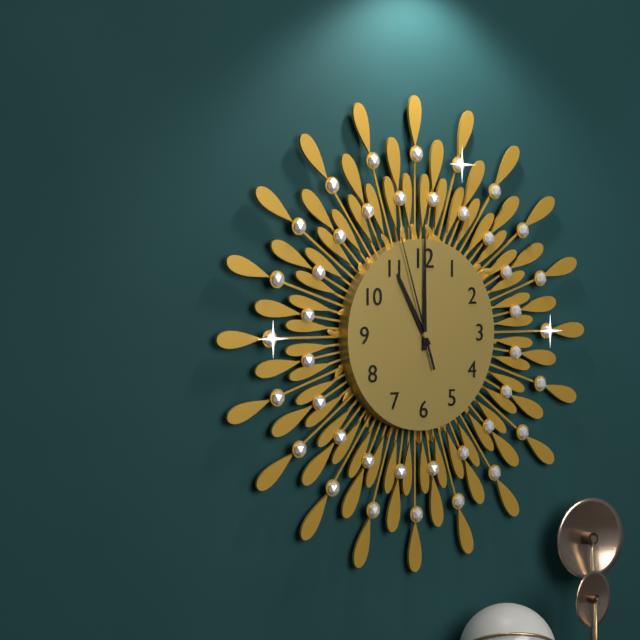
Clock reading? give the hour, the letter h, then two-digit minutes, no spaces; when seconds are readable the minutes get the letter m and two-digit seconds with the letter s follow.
11h00m57s
